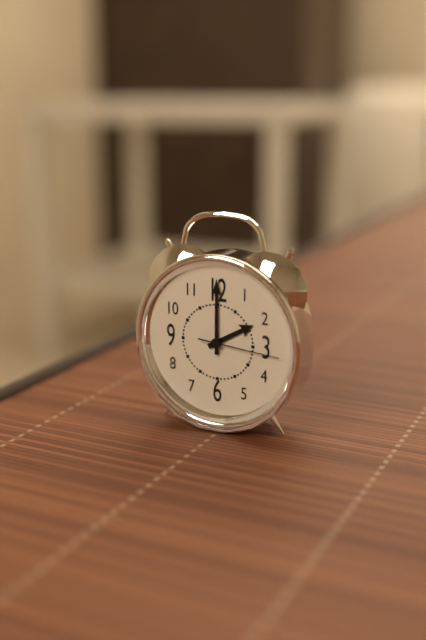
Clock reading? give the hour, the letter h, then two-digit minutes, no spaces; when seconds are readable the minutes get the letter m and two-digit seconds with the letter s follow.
2h00m16s
